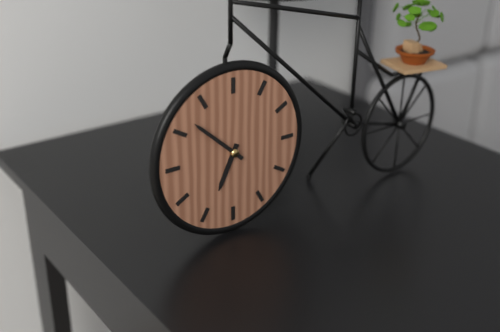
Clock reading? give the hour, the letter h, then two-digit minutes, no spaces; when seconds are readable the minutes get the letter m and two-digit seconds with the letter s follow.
6h52
